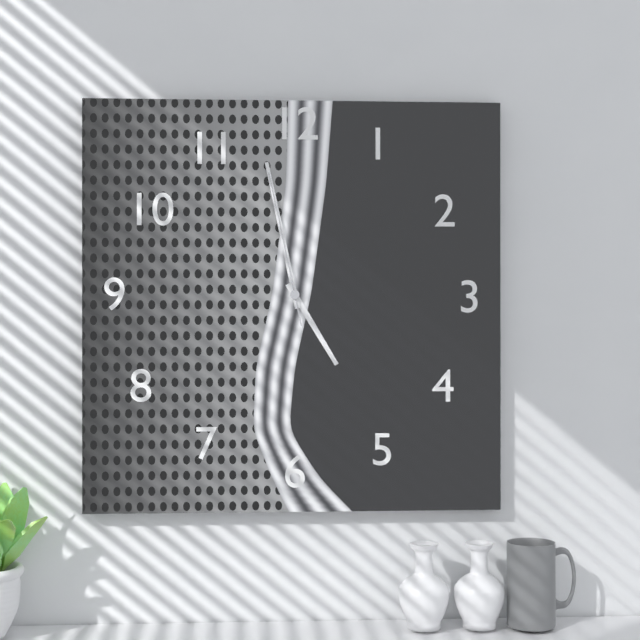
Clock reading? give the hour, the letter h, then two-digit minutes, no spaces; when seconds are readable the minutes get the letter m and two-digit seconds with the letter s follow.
4h58m58s
